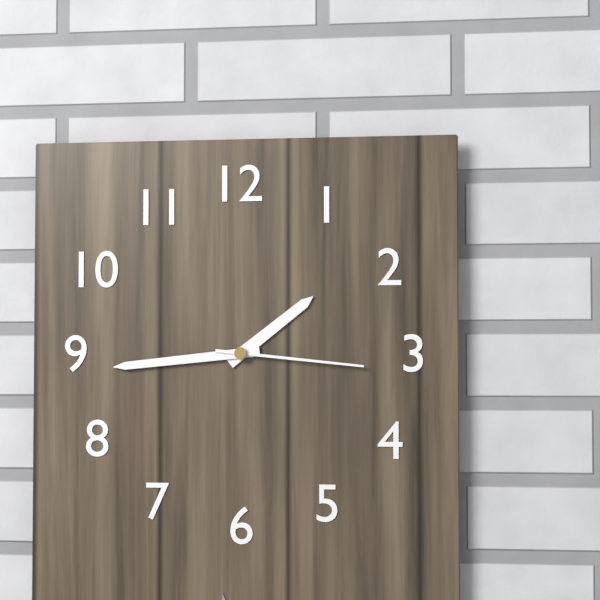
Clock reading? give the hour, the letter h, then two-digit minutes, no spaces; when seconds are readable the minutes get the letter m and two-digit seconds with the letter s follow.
1h44m16s
